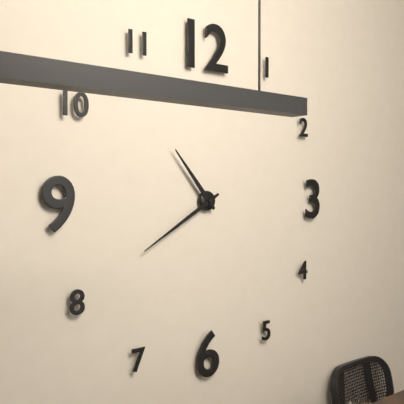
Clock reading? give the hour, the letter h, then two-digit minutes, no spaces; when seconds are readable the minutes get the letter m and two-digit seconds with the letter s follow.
10h40
